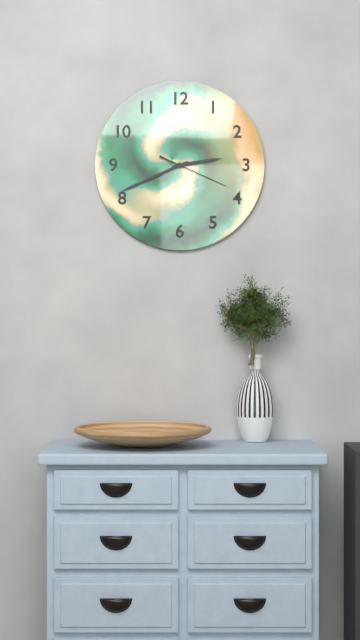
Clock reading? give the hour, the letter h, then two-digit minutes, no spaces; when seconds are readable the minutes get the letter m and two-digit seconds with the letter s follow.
2h41m19s
